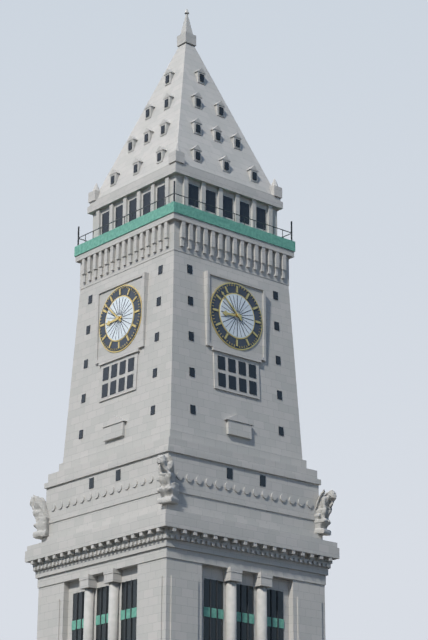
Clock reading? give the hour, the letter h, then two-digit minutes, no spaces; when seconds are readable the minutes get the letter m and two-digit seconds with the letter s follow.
8h52
